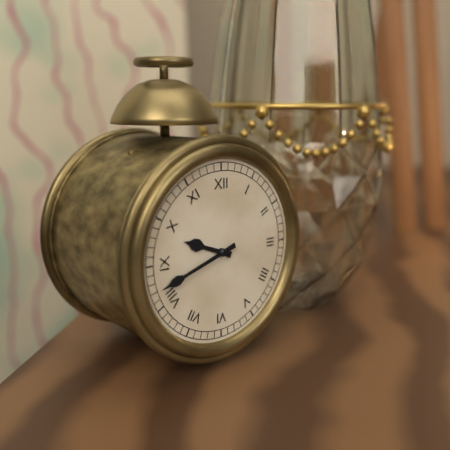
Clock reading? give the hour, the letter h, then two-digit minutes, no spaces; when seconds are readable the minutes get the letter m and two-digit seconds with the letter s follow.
9h42
